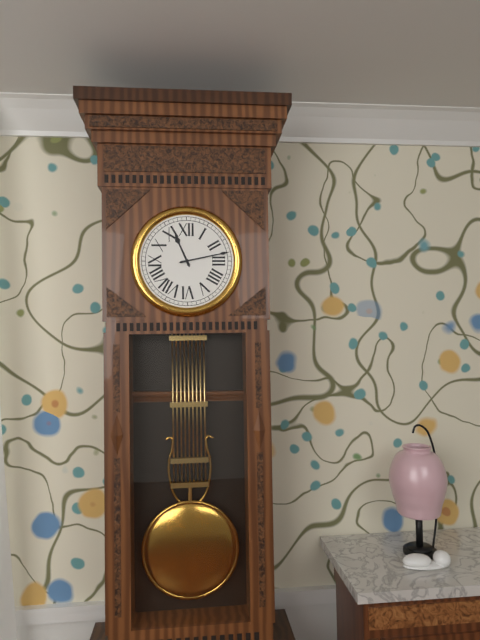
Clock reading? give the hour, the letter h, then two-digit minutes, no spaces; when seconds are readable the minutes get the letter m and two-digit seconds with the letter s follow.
11h13
